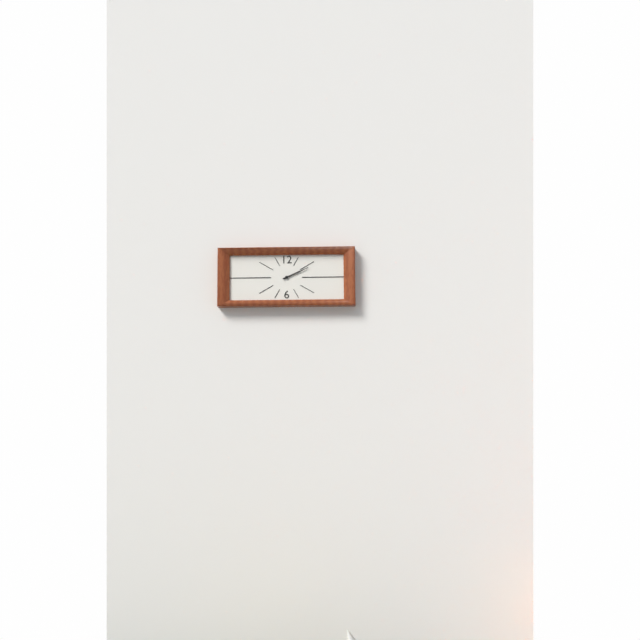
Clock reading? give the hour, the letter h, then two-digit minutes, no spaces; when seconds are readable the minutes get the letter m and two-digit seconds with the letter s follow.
2h11
